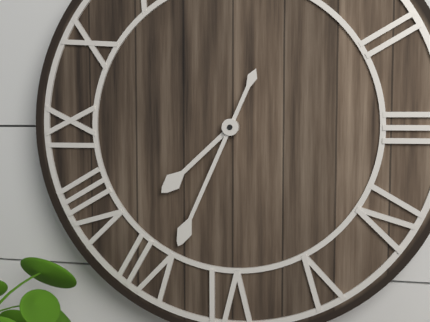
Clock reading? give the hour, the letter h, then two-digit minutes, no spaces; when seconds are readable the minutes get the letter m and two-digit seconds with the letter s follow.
7h34
